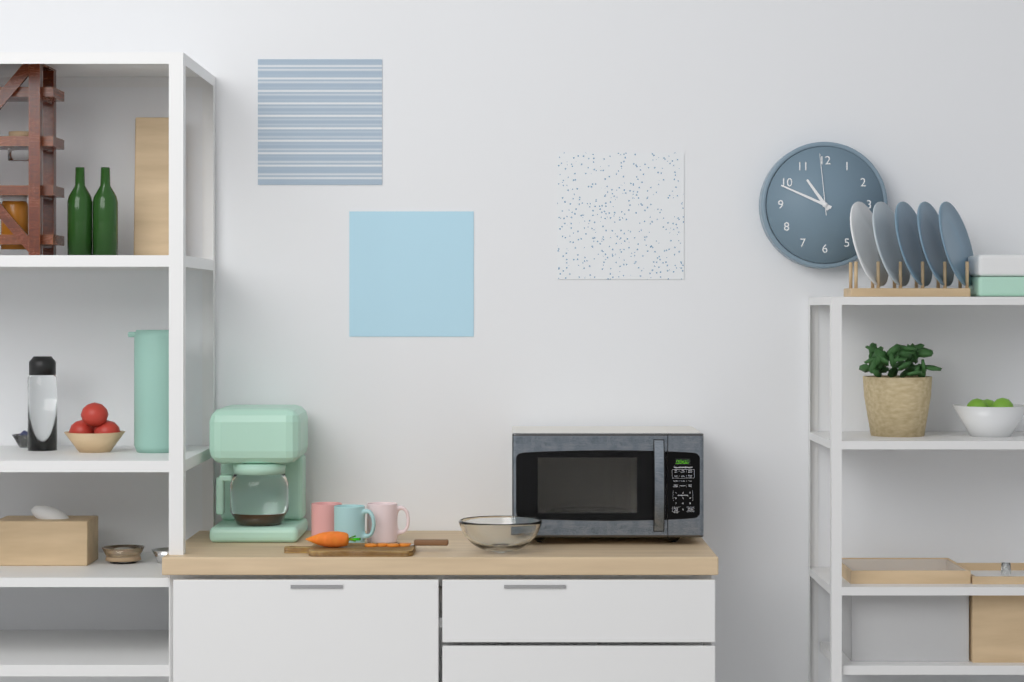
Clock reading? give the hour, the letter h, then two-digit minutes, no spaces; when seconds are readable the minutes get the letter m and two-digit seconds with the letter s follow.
10h49m59s
